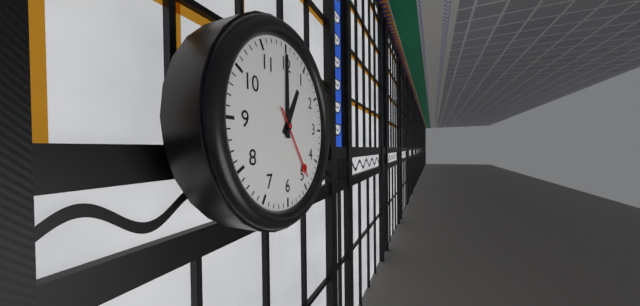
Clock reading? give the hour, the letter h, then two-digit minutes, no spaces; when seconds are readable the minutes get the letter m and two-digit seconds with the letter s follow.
1h00m24s
